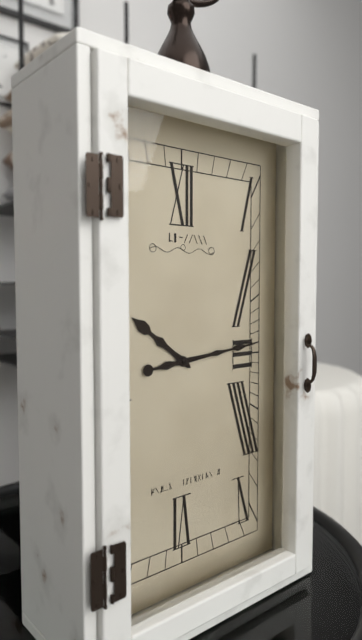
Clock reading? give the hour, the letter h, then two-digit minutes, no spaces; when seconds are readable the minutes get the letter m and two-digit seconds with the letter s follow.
10h14
